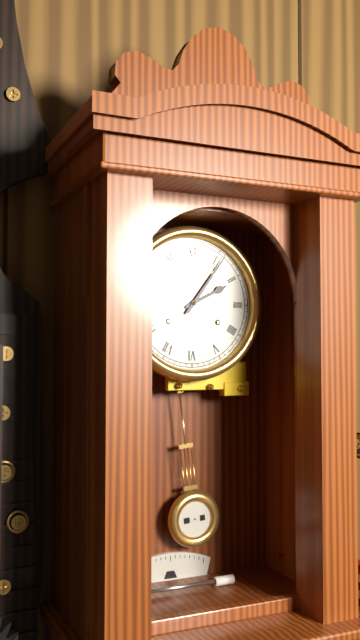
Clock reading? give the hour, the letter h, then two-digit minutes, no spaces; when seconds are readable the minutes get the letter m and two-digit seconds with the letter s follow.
2h06
